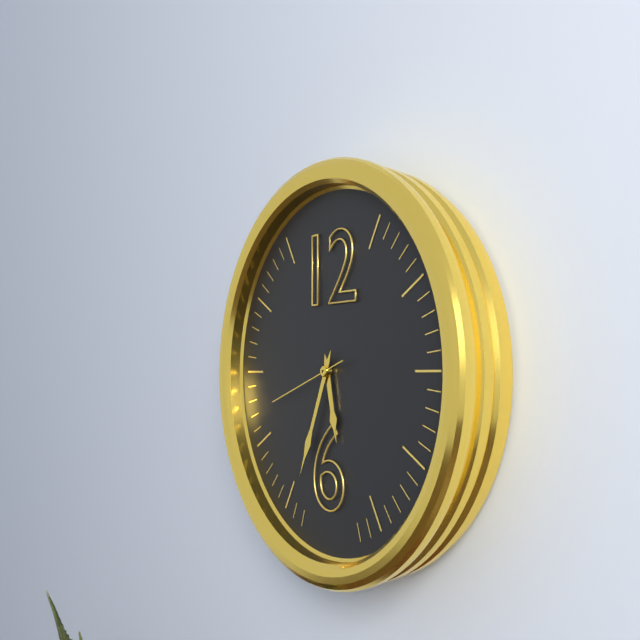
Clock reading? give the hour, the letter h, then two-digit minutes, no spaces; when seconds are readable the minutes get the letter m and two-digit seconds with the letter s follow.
5h34m42s
